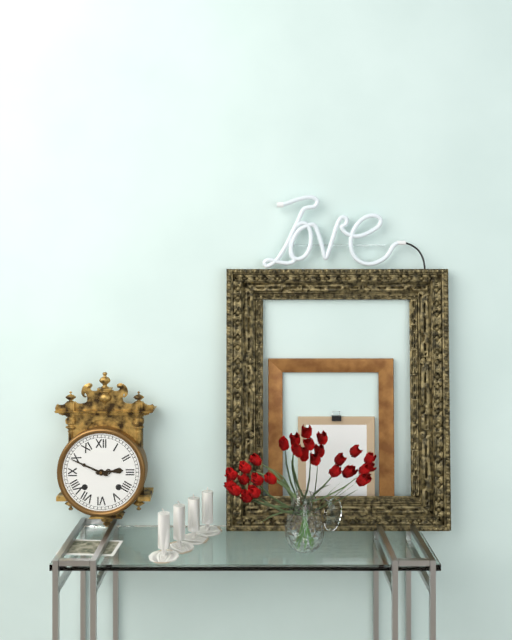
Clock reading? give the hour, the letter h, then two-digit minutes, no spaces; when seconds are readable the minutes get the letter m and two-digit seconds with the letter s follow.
2h49
